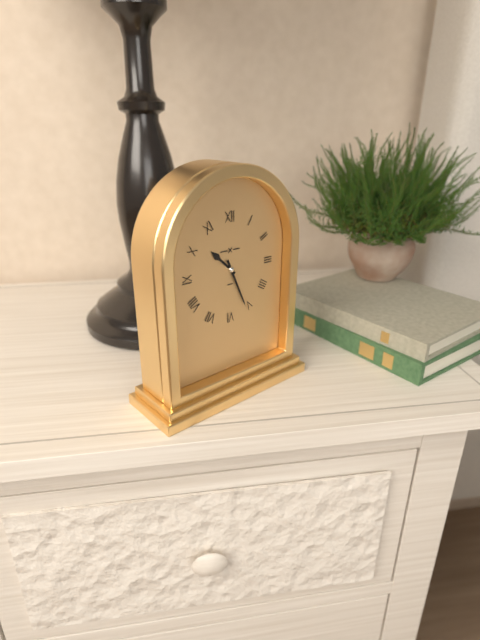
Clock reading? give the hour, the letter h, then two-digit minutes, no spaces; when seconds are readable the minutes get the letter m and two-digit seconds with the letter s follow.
10h26
